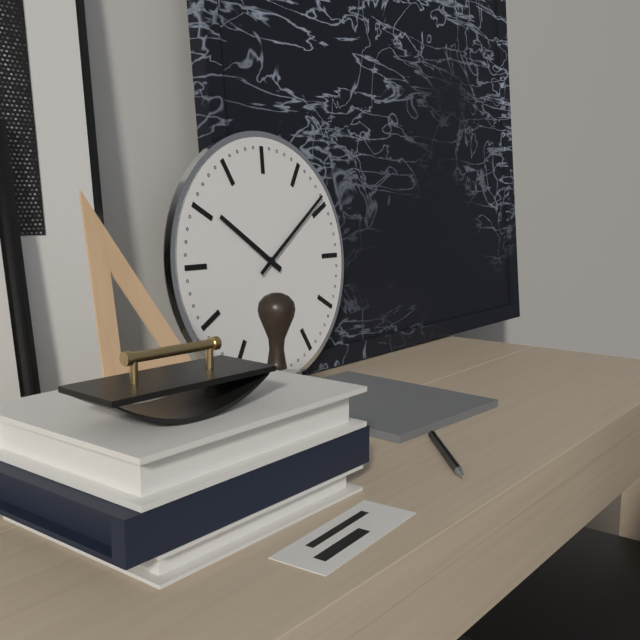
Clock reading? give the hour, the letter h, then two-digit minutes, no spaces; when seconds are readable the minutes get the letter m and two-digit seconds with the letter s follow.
10h09
